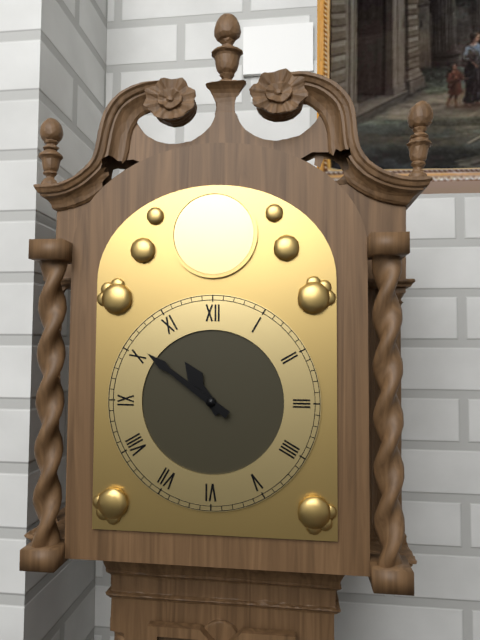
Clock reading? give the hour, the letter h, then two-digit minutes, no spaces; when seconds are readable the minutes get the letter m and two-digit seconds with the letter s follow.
10h51
